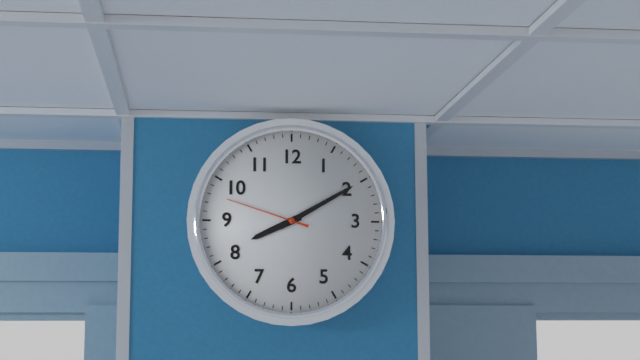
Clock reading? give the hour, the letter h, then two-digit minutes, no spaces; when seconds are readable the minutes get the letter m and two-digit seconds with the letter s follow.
8h10m48s
